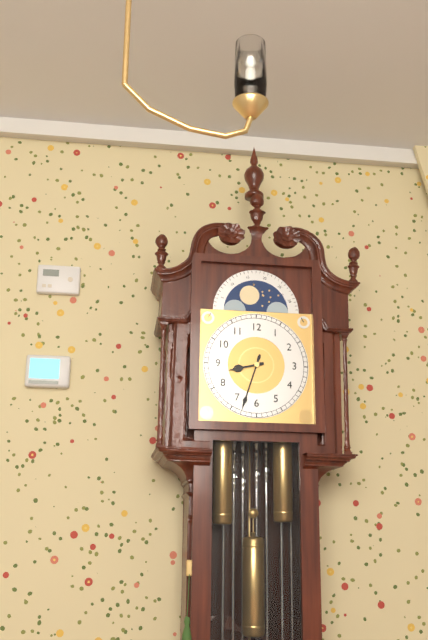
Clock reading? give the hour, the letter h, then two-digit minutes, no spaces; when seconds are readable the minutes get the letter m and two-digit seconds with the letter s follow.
8h33
